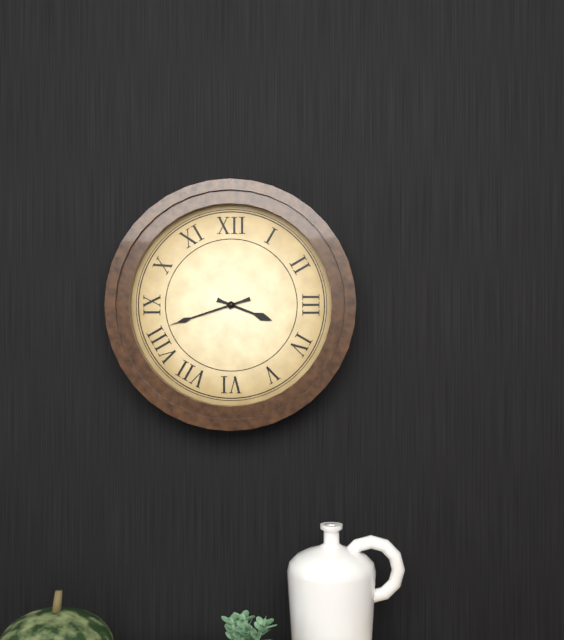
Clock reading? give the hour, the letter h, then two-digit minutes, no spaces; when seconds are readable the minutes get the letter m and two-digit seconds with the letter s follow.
3h42
